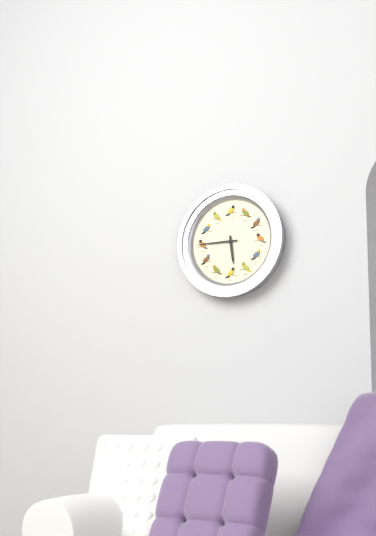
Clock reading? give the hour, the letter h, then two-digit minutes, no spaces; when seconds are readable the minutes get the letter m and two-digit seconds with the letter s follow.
5h45
